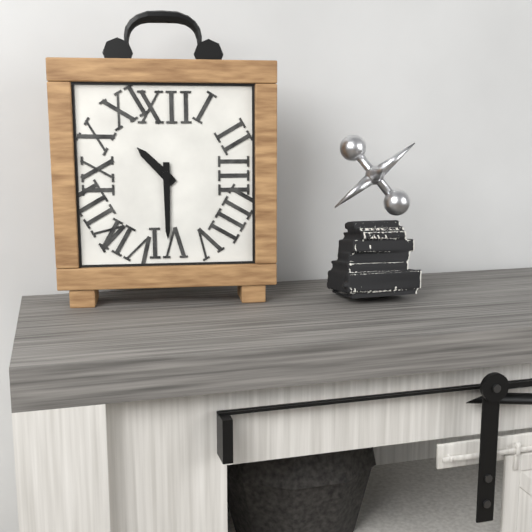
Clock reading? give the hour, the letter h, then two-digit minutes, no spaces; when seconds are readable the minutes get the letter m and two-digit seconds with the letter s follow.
10h30
